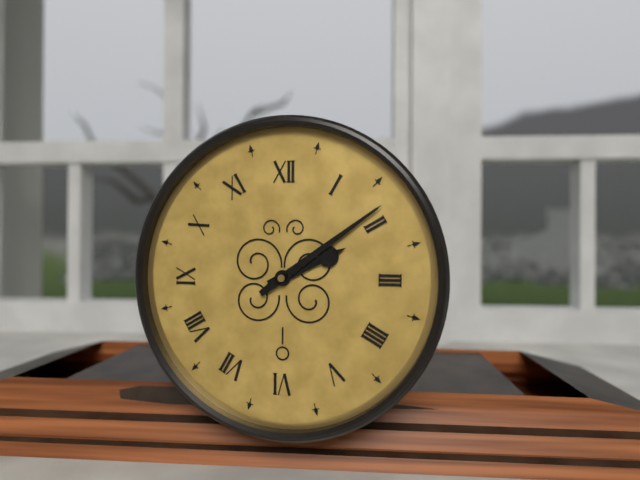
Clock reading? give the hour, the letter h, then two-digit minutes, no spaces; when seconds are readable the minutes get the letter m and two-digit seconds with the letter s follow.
2h09
